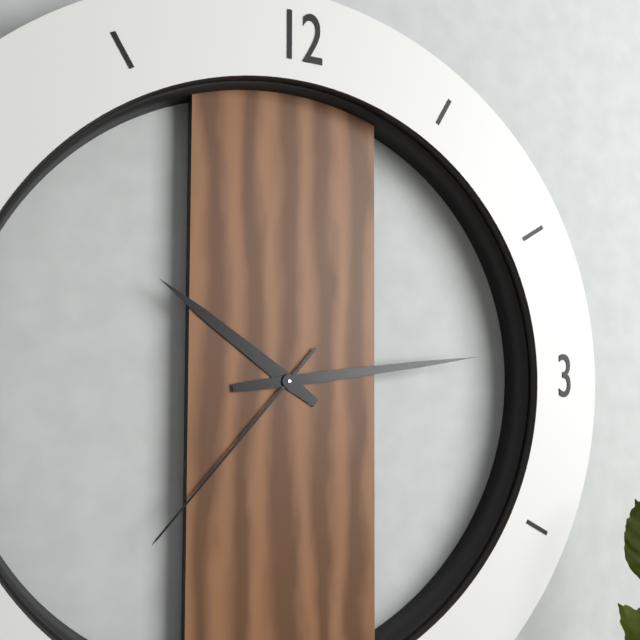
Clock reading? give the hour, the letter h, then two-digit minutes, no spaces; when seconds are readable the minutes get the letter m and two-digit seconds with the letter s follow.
10h14m37s
